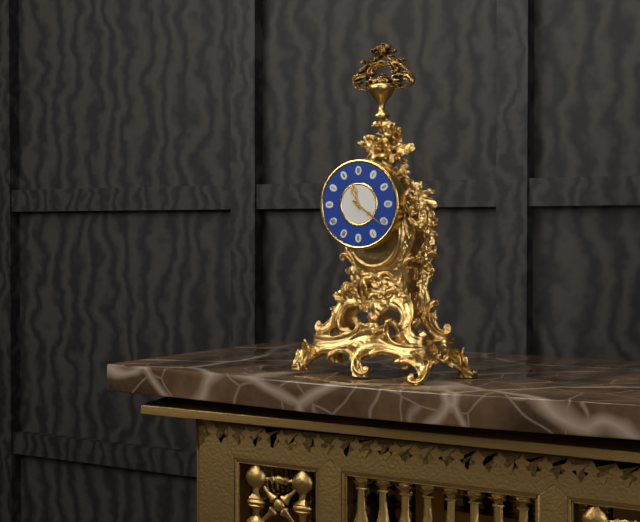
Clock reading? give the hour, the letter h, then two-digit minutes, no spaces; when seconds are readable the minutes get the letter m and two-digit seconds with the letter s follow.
11h21
